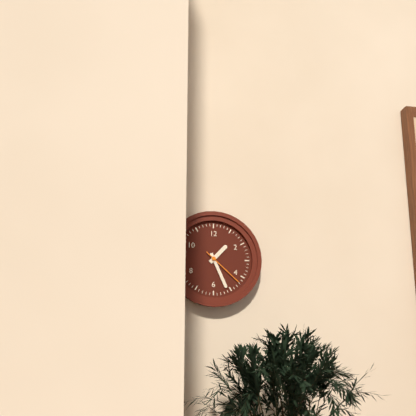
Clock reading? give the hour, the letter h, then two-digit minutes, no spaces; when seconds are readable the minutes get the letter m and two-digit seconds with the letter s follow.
1h26
